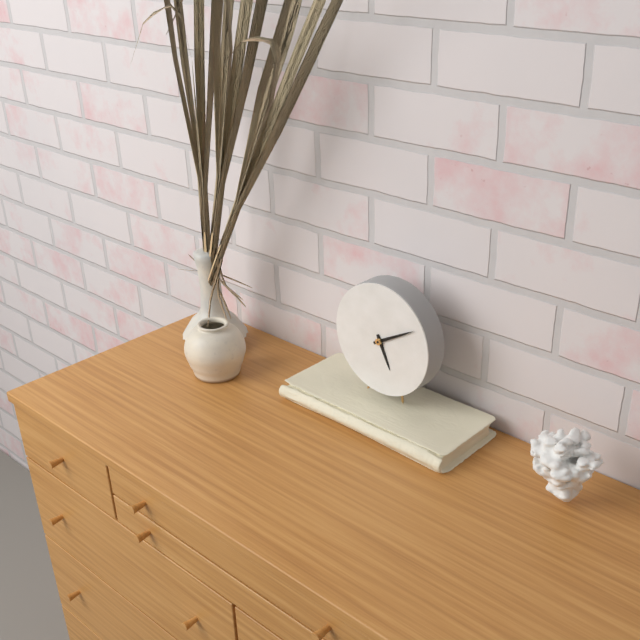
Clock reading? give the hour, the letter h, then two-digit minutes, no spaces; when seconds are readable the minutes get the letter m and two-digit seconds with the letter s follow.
5h10
